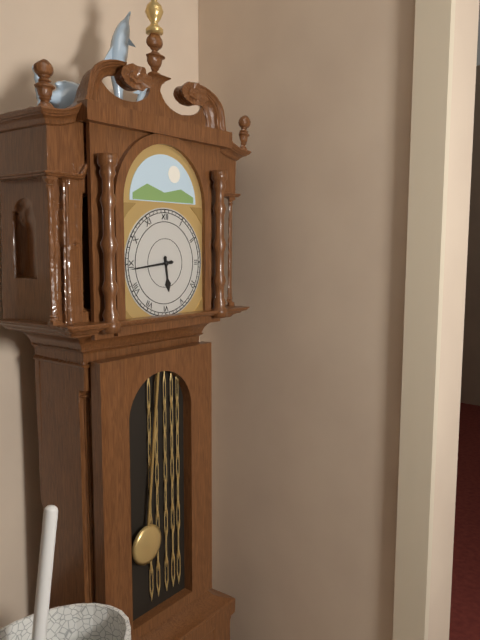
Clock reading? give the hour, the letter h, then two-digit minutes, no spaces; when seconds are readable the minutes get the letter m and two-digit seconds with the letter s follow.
5h44
